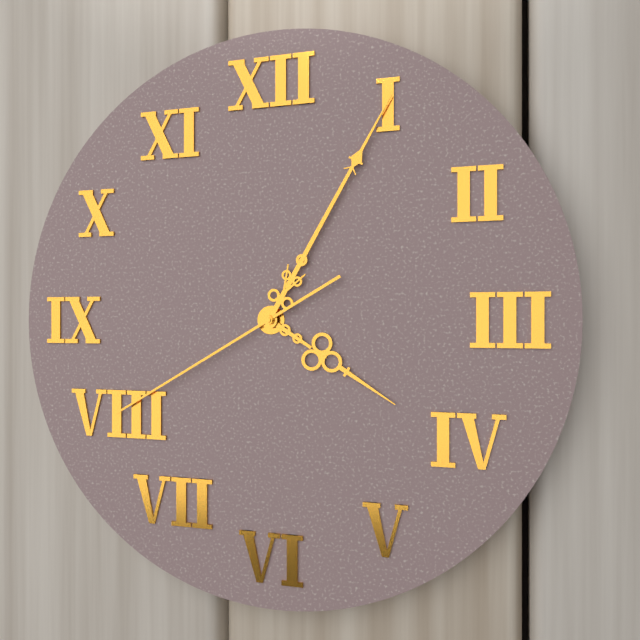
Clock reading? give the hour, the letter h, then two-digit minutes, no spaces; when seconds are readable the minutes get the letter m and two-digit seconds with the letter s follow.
4h05m40s
